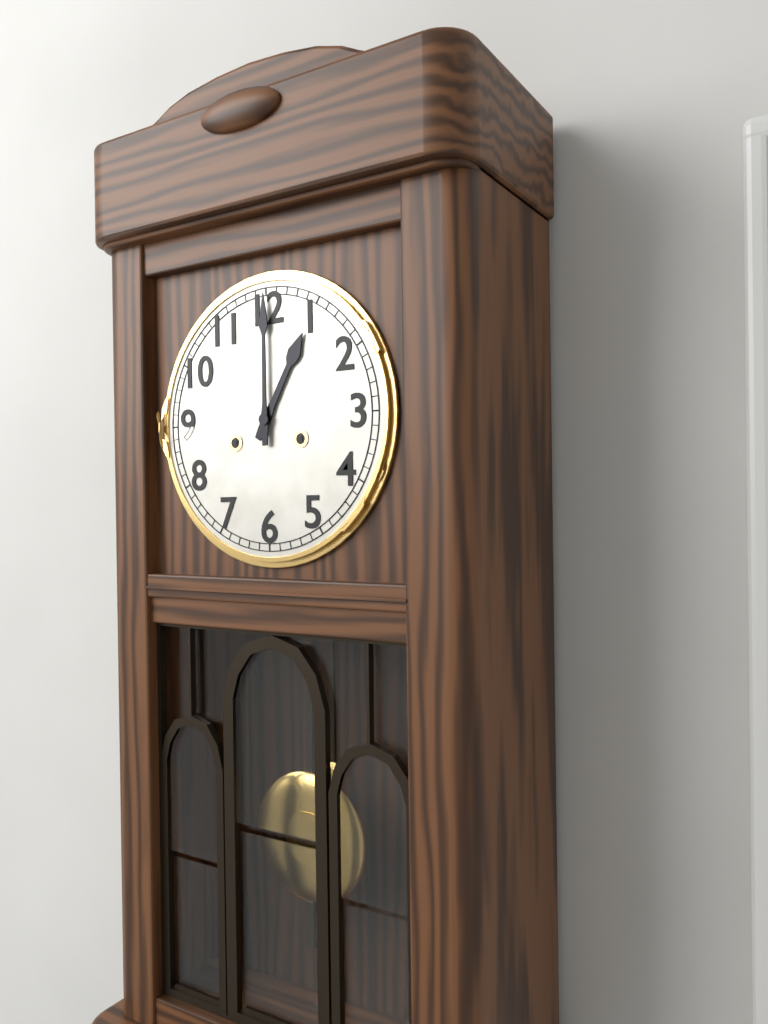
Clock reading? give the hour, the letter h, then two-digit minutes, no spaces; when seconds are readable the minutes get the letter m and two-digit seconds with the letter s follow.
1h00
